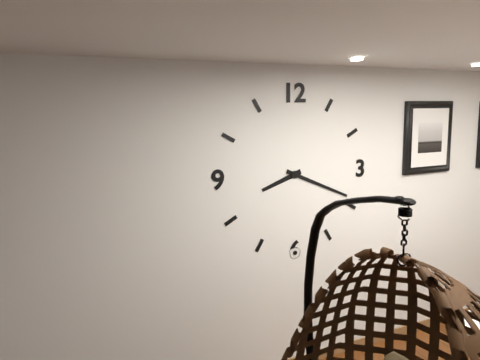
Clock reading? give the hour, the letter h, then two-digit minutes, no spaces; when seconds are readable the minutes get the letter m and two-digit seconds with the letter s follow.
8h19
